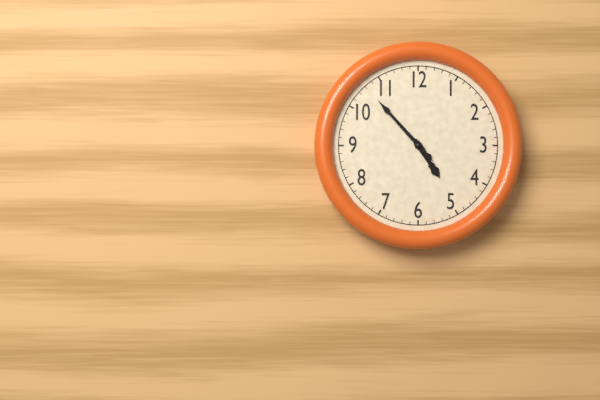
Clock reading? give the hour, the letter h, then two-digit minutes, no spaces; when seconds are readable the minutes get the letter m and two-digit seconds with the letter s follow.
4h53
